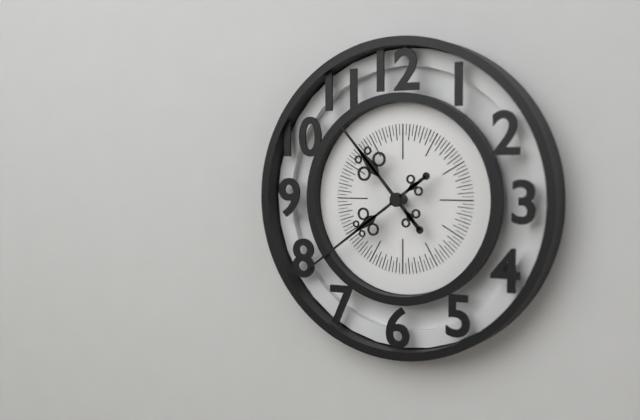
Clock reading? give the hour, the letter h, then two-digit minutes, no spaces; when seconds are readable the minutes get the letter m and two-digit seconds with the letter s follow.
10h39
